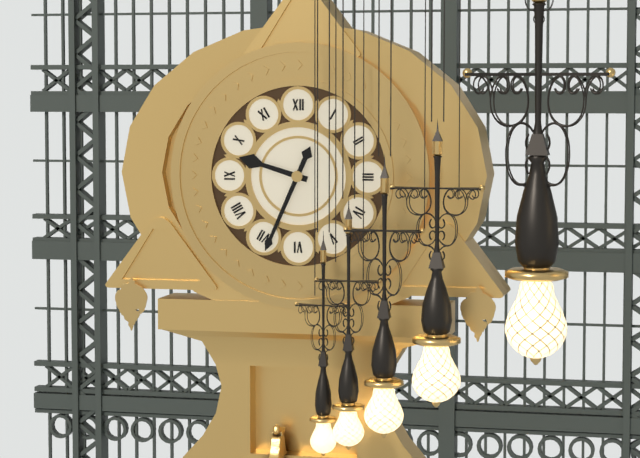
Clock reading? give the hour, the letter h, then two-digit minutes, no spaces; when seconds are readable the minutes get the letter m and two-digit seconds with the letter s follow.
9h34
